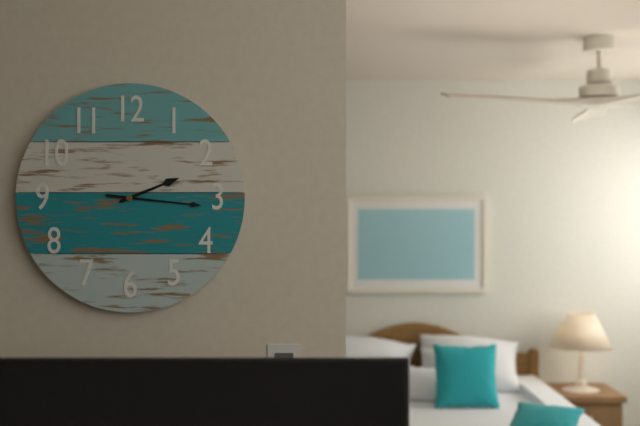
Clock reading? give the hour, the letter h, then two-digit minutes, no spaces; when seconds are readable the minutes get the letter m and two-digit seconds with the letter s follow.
2h16
